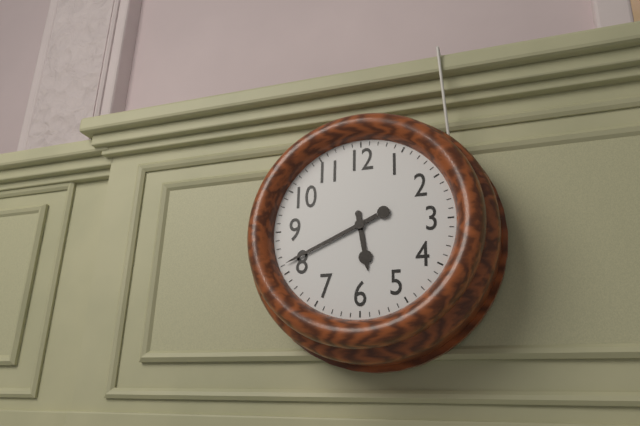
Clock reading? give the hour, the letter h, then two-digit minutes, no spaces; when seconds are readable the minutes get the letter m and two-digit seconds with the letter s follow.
5h41
